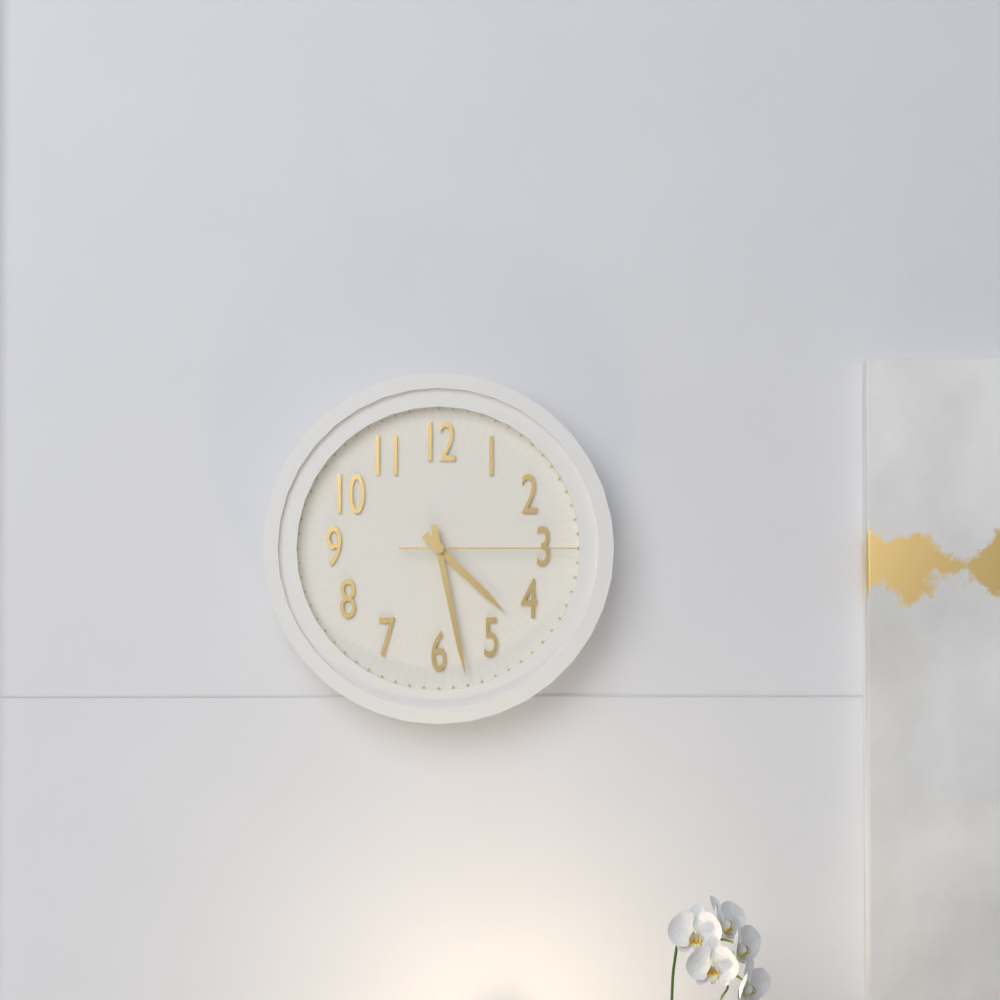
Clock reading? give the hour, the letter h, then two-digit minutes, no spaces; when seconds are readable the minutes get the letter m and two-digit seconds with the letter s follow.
4h28m15s
